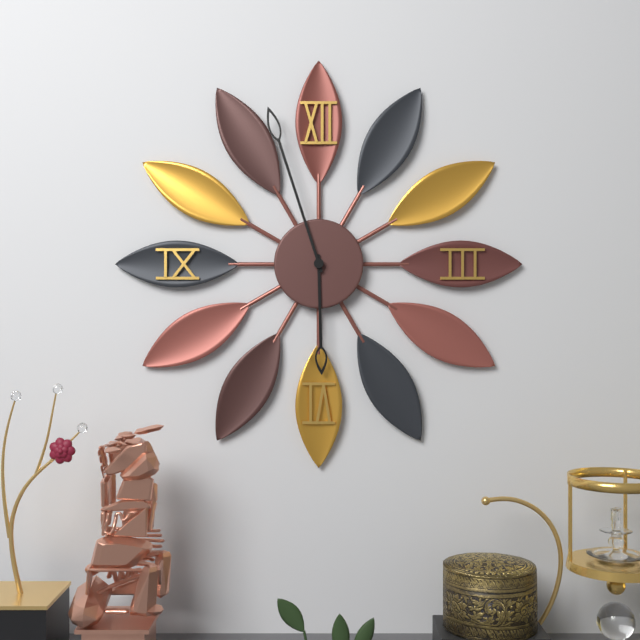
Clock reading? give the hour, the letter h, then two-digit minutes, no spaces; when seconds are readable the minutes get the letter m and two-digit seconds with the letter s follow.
5h57
